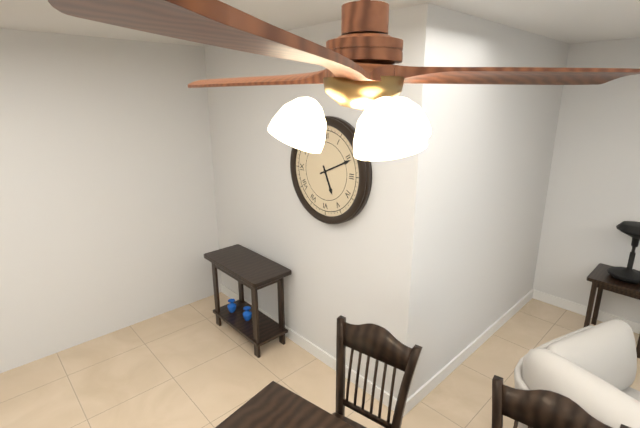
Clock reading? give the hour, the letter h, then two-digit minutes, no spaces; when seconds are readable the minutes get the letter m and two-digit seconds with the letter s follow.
5h11
